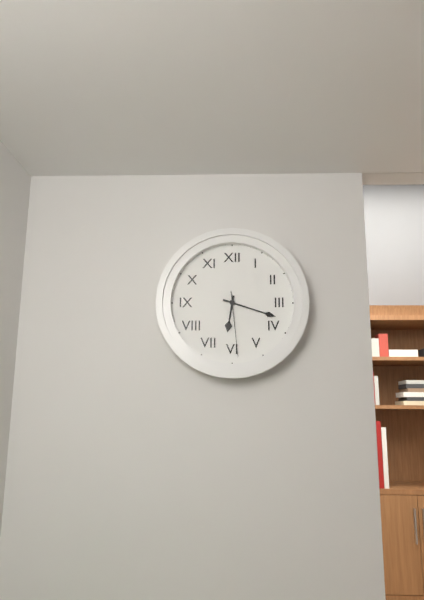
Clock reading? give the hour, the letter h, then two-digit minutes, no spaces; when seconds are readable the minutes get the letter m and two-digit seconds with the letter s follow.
6h18m29s
